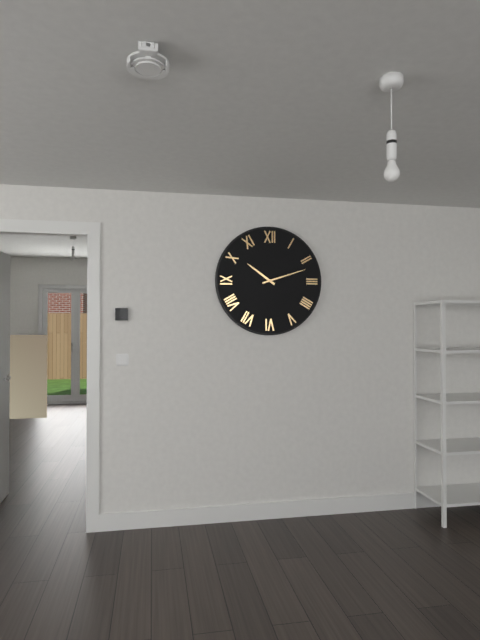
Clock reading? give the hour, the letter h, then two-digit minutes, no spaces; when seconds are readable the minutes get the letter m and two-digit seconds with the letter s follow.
10h12
